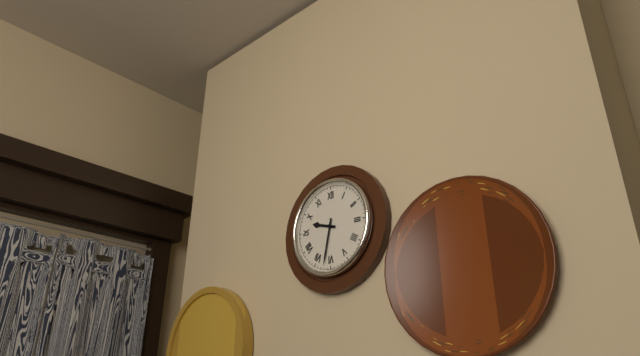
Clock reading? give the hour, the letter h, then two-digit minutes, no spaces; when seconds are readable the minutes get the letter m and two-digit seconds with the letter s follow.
9h32
